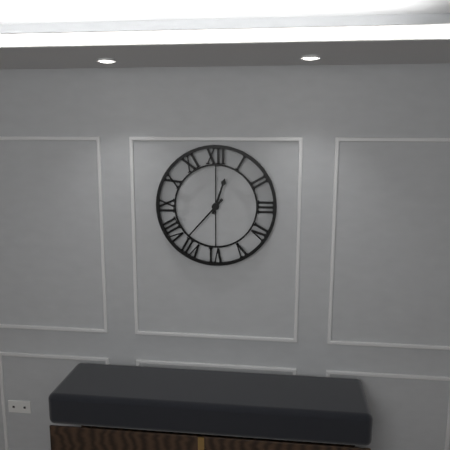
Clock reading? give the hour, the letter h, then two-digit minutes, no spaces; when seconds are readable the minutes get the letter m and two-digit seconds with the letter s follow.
12h37
